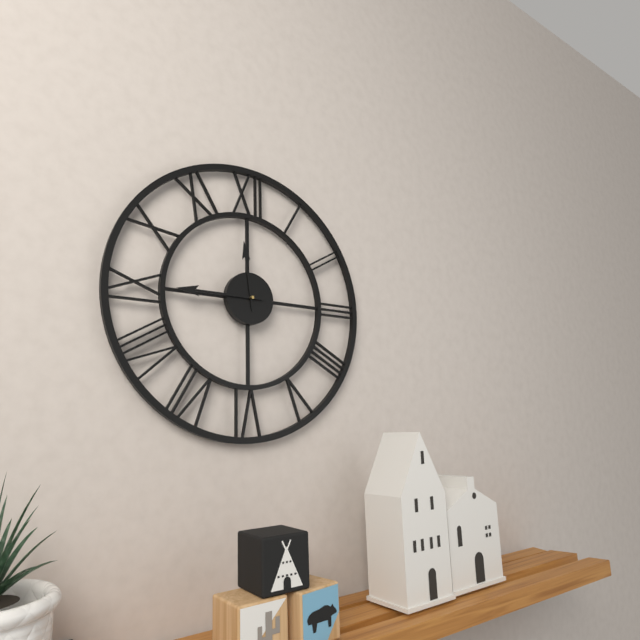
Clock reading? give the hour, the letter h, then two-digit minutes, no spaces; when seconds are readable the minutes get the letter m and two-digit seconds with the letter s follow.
11h45
